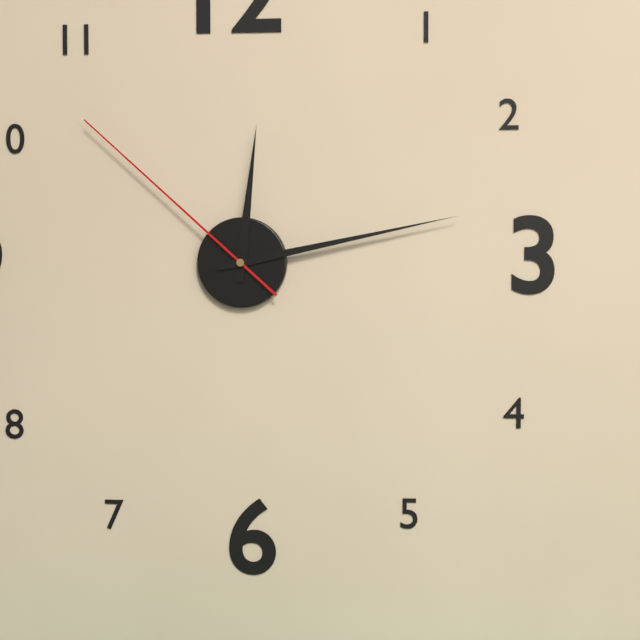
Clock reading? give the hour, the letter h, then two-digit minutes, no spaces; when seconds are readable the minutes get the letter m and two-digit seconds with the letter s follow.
12h13m52s
